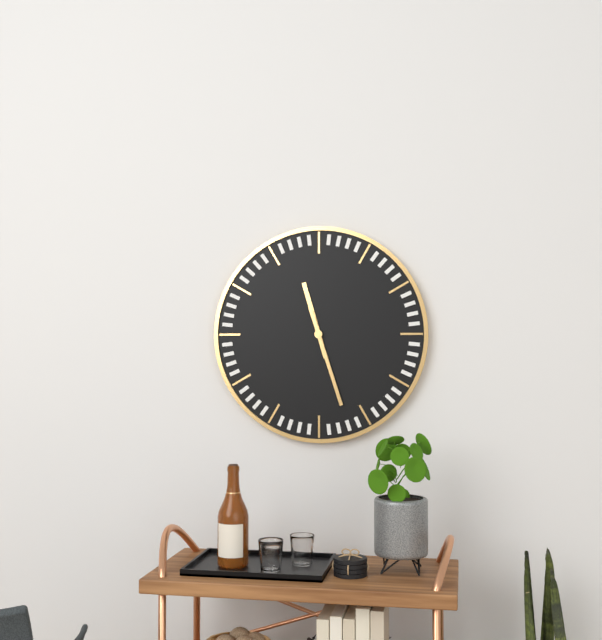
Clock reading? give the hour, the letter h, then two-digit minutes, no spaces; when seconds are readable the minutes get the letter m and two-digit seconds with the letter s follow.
11h27
